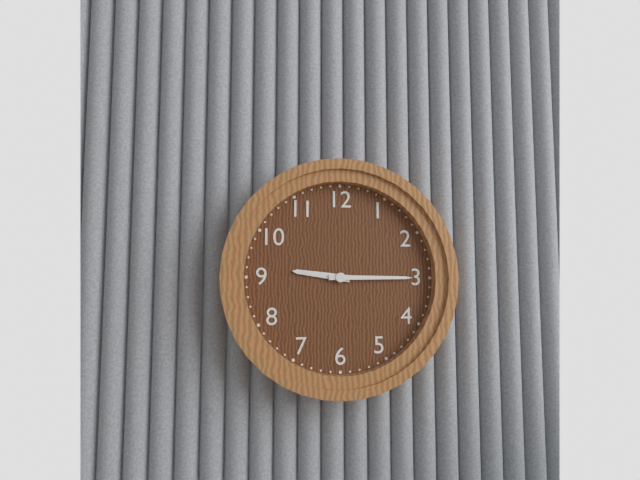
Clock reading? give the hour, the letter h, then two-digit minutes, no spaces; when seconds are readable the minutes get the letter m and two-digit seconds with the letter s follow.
9h15
